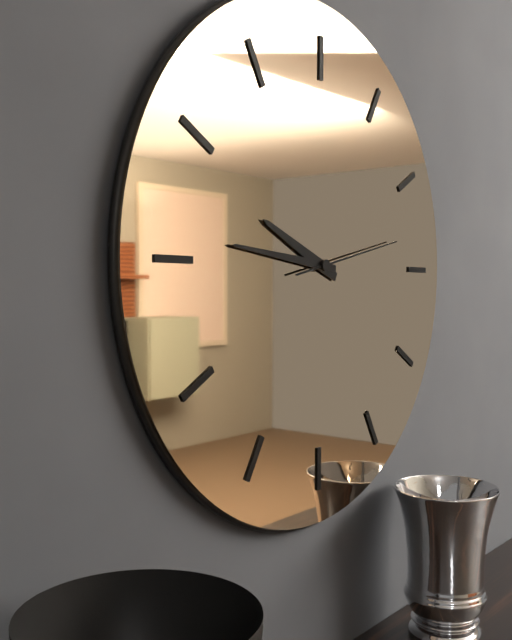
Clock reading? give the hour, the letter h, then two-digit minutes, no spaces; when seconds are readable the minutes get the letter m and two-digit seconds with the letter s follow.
9h46m13s
